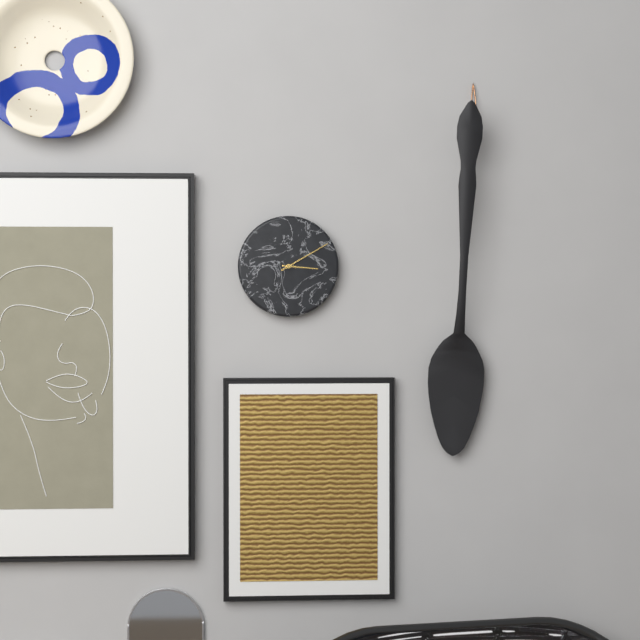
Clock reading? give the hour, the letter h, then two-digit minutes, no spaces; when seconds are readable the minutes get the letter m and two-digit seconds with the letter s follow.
3h10
